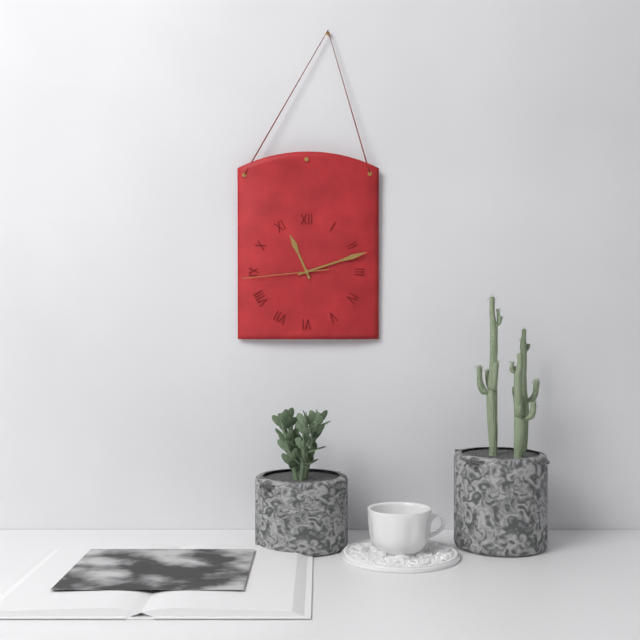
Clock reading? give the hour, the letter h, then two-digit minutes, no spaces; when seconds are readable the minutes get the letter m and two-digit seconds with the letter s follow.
11h12m44s
